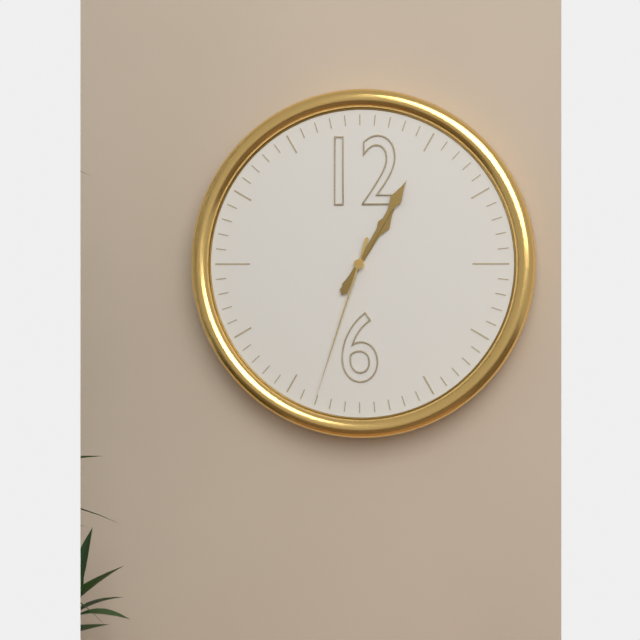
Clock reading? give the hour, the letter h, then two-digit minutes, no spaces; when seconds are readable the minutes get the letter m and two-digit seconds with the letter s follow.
1h05m33s
